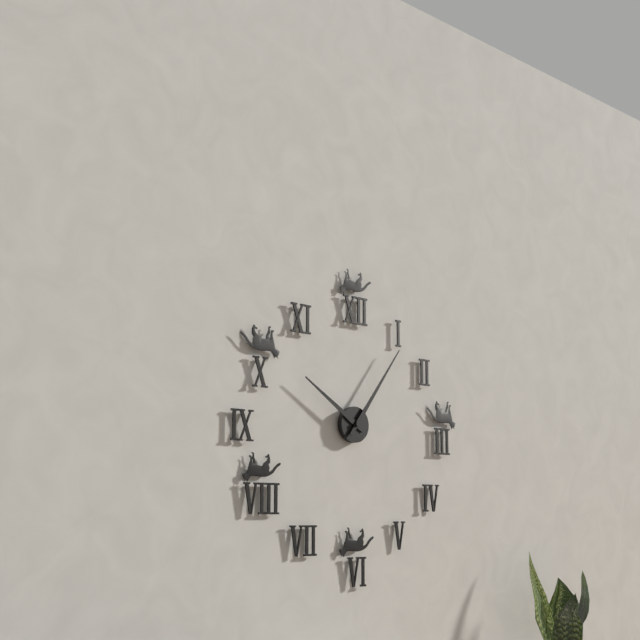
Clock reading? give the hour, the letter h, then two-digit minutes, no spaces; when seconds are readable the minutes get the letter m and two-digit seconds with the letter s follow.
10h06
